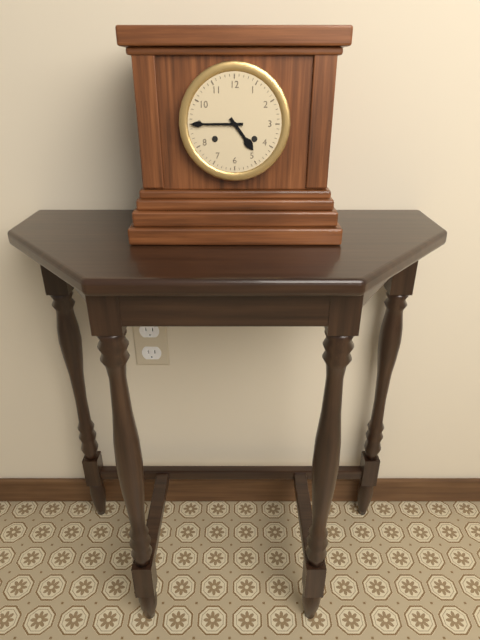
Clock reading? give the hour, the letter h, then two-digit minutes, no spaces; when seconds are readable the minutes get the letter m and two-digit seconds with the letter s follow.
4h45
